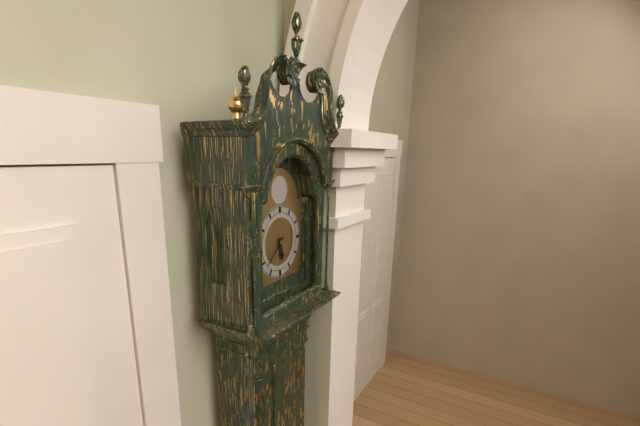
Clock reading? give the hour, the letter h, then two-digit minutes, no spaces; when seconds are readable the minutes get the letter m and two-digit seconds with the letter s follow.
5h38
